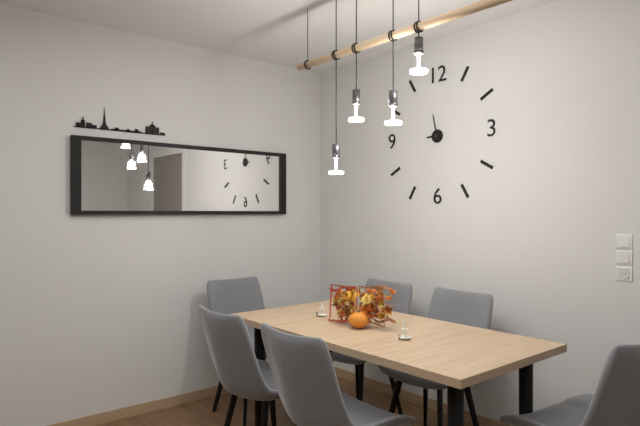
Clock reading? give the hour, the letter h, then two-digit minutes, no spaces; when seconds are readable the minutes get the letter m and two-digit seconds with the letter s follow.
8h58
